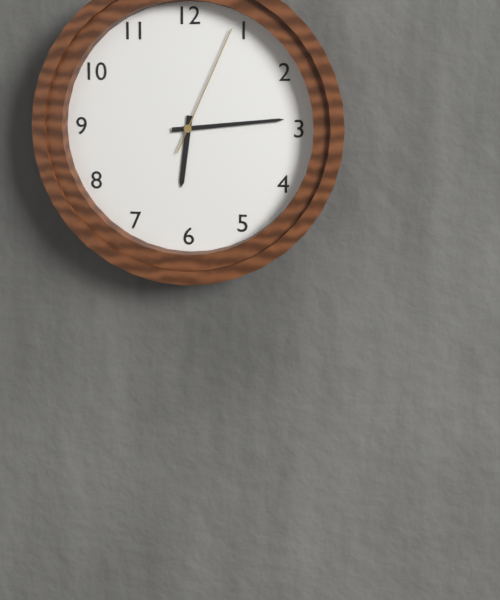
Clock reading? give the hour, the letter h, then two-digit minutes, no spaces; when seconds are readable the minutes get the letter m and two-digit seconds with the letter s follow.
6h14m04s
